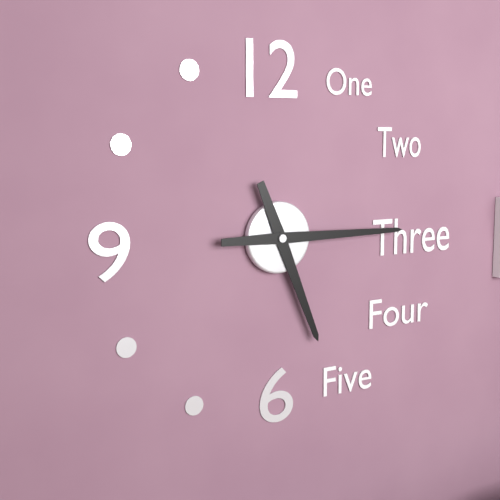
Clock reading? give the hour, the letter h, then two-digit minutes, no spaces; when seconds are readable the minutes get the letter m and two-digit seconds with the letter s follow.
5h15
